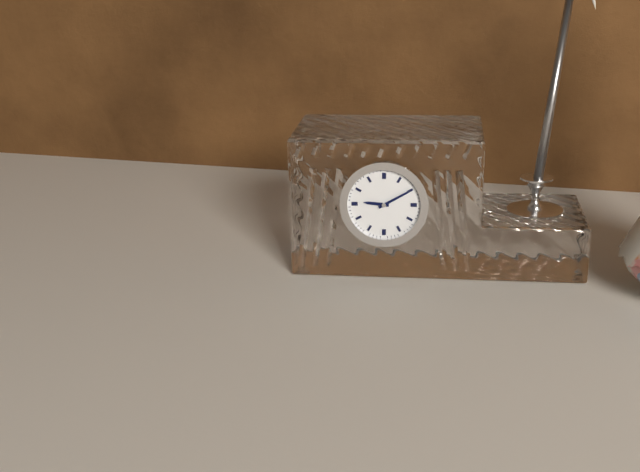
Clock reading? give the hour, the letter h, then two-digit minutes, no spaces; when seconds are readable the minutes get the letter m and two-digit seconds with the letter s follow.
9h10
